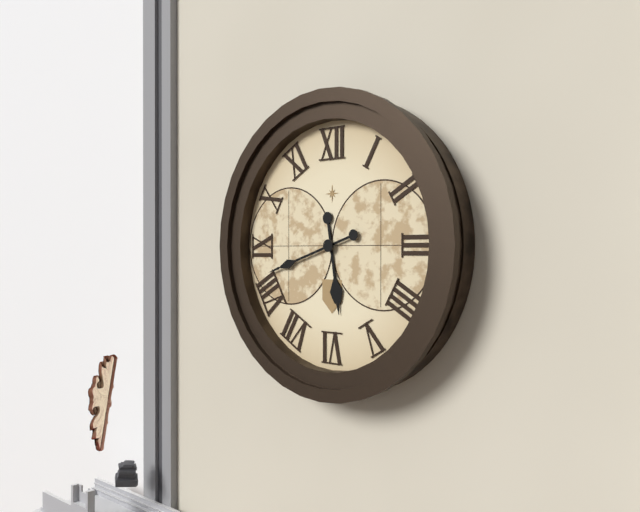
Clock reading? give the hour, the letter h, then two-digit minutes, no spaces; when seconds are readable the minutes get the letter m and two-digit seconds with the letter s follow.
5h42
